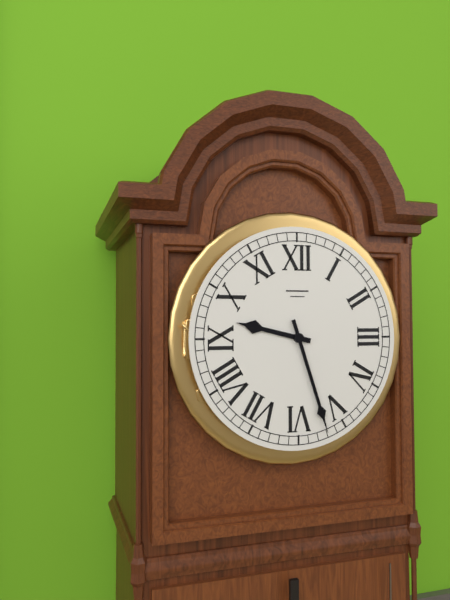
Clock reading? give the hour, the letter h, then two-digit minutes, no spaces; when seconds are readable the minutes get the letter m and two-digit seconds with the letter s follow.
9h27
